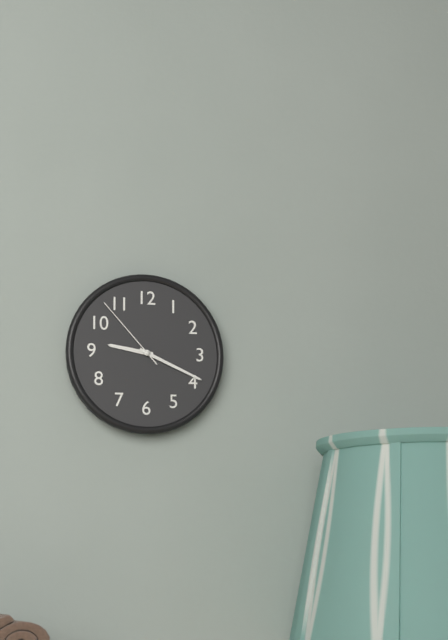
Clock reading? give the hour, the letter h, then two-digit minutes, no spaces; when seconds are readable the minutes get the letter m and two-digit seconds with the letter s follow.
9h19m53s
